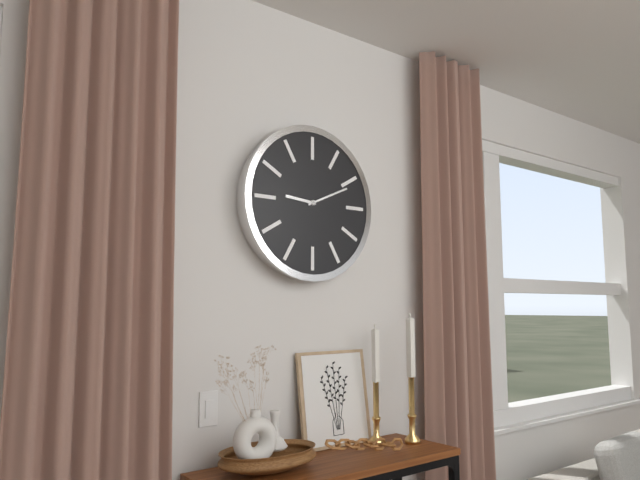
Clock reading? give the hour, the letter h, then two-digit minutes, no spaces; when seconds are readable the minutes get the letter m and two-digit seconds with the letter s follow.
9h11
